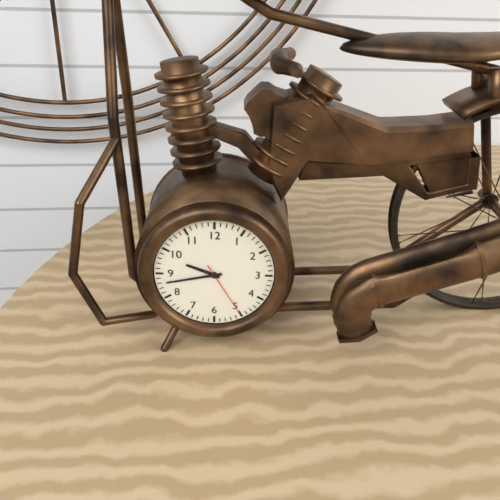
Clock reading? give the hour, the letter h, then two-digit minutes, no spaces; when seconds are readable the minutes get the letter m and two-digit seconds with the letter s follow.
9h43m25s
